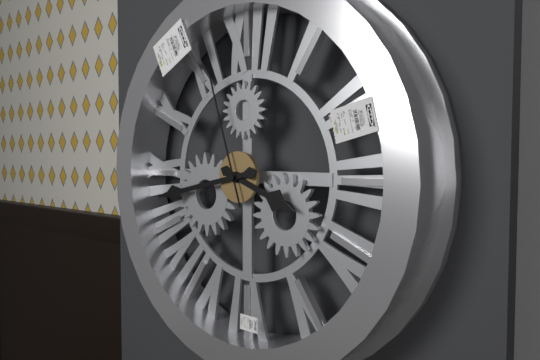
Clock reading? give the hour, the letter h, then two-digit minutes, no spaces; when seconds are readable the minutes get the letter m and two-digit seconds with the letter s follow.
3h43m57s
